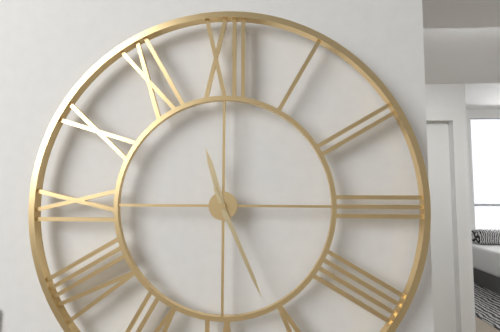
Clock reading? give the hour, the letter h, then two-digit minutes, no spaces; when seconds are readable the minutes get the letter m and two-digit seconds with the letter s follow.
11h26
